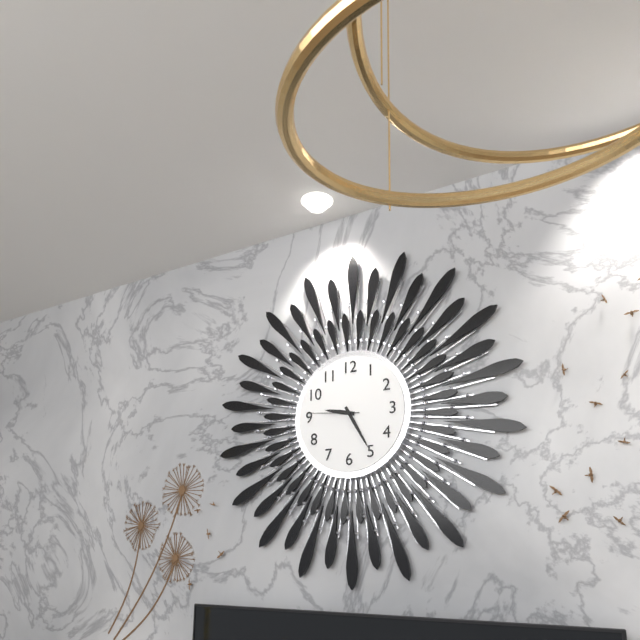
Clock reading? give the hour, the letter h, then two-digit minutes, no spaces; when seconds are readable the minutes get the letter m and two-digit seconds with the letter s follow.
9h25m46s
